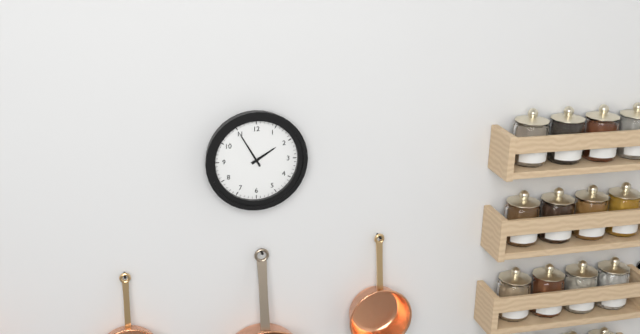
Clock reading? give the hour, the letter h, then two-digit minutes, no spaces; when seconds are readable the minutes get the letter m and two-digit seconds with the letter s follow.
1h55
